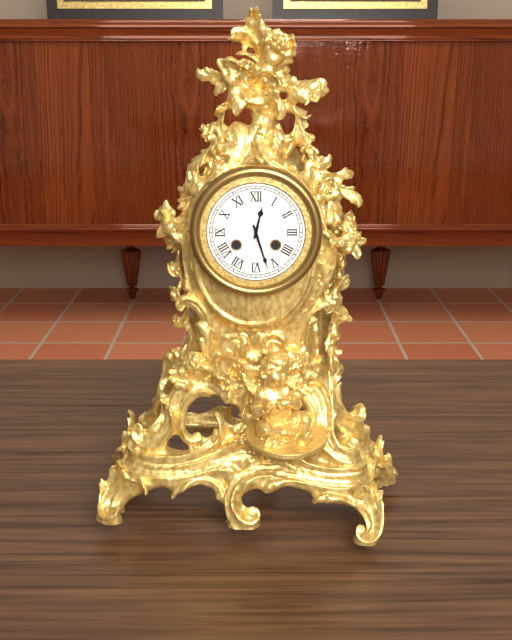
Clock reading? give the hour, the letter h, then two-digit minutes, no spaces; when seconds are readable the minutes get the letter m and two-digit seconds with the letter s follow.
12h27
